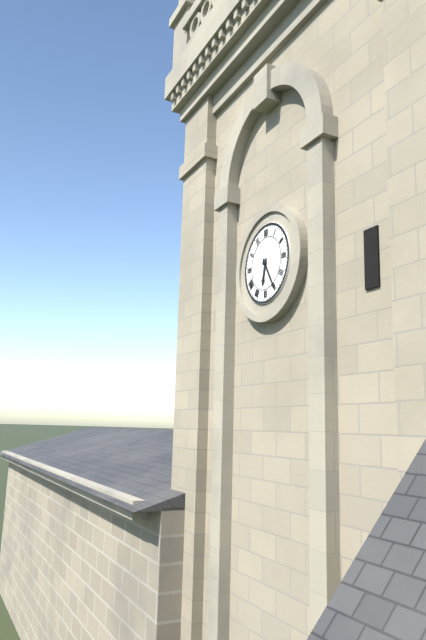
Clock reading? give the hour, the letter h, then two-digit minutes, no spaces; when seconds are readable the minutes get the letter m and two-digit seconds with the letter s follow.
6h25
